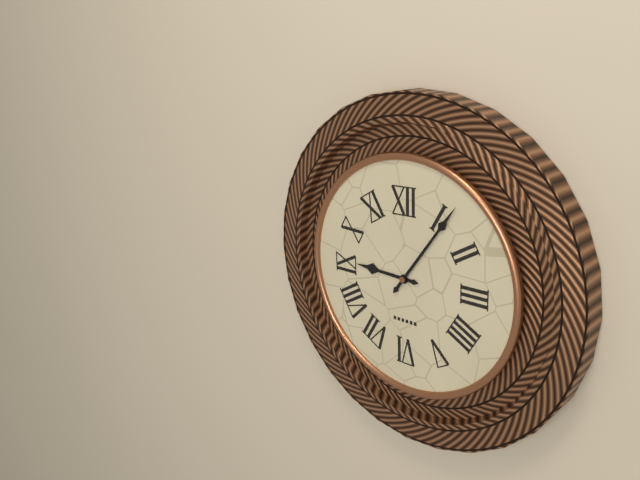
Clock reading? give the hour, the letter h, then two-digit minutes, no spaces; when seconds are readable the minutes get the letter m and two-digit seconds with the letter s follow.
9h06
